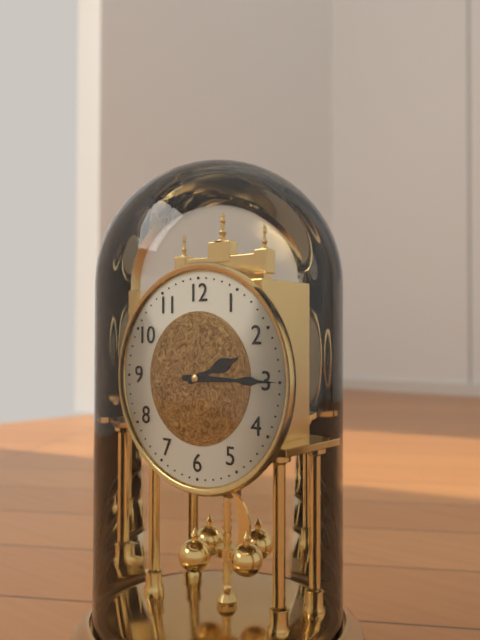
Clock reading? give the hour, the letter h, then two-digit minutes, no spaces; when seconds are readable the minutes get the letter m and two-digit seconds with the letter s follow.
2h15
